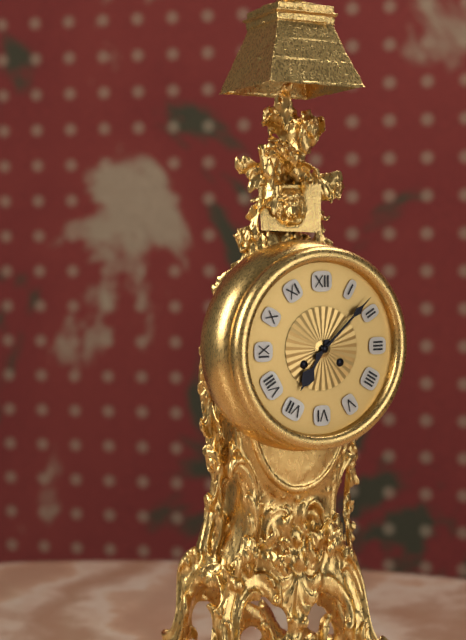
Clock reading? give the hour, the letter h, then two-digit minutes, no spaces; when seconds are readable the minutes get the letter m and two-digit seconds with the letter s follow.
7h08
